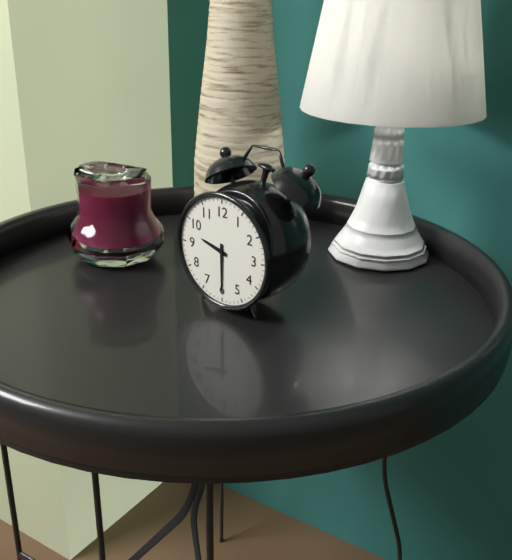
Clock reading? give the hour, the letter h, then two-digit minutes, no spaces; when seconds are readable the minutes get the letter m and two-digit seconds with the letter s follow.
9h30
